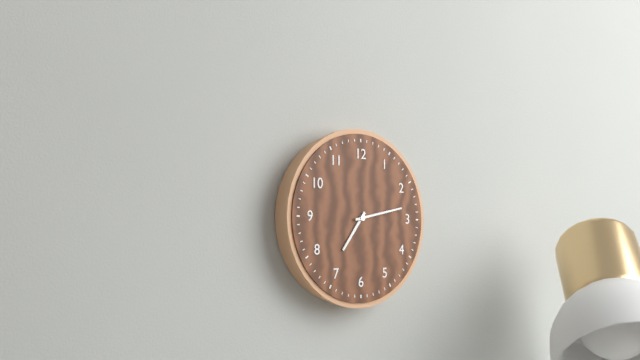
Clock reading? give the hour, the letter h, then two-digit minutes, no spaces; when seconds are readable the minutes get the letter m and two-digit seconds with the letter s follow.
7h13
